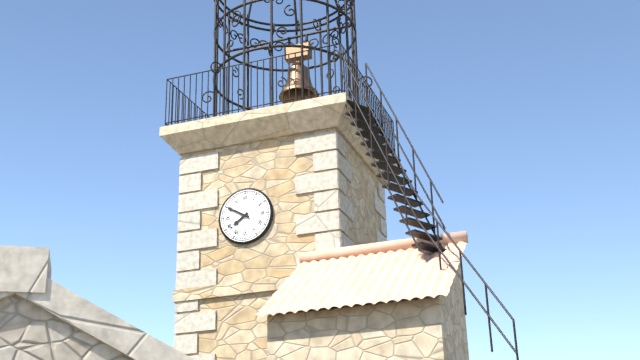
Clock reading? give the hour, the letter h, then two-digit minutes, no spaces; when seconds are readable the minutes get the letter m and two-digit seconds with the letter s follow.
7h50
